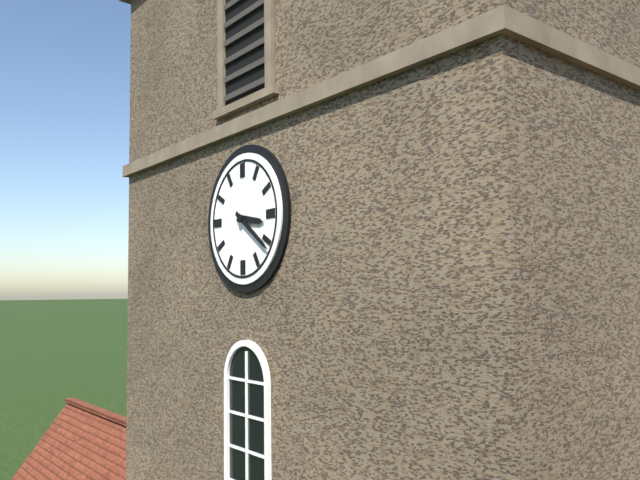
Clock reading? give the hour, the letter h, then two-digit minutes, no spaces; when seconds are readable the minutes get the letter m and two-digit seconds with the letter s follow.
3h21
